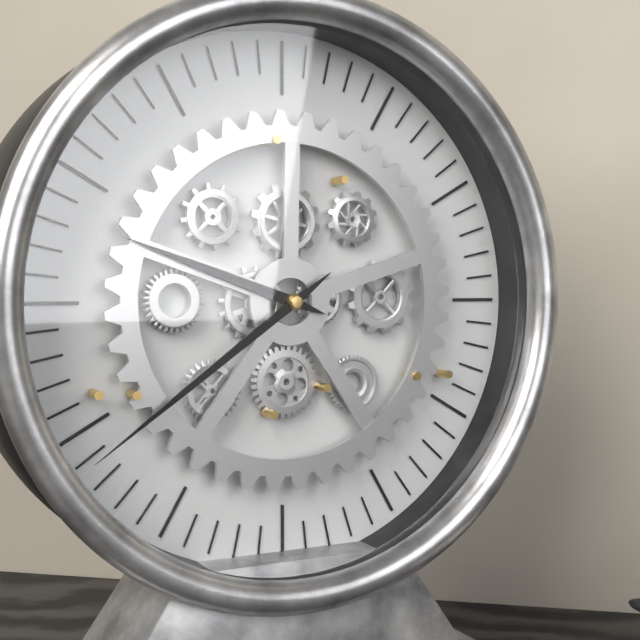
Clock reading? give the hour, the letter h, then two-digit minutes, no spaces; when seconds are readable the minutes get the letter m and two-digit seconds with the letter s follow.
9h39
